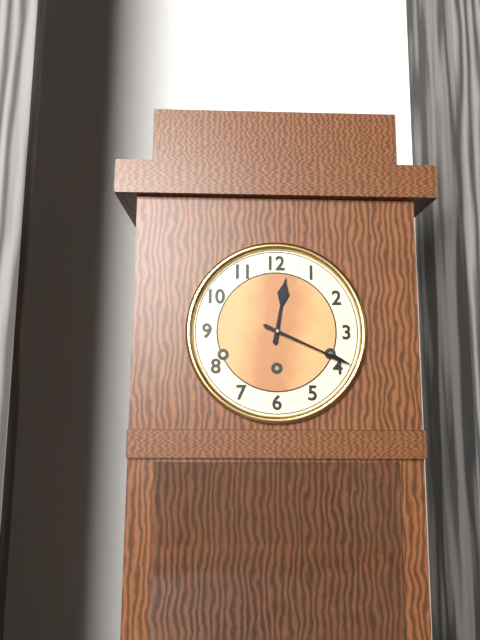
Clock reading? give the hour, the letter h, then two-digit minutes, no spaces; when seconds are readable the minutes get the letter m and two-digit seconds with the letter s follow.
12h19
